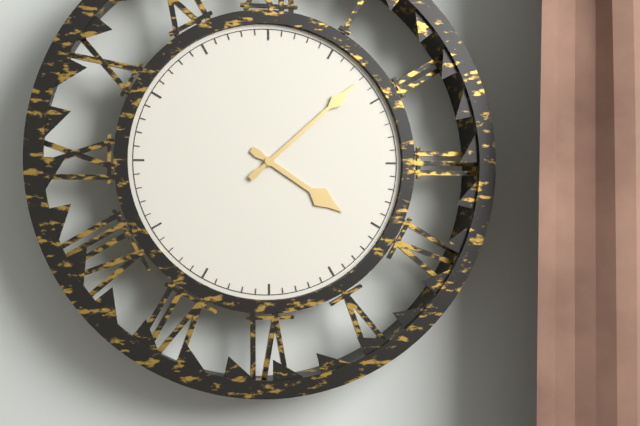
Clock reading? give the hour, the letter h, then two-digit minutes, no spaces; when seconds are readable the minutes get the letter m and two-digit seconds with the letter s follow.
4h08
